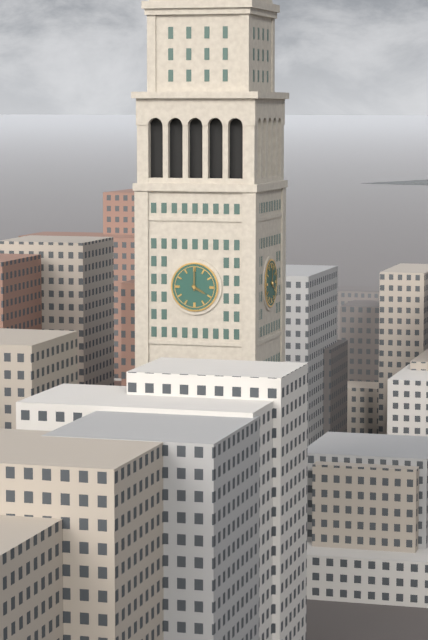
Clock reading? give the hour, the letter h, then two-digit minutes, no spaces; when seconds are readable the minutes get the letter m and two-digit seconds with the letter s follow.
4h00
